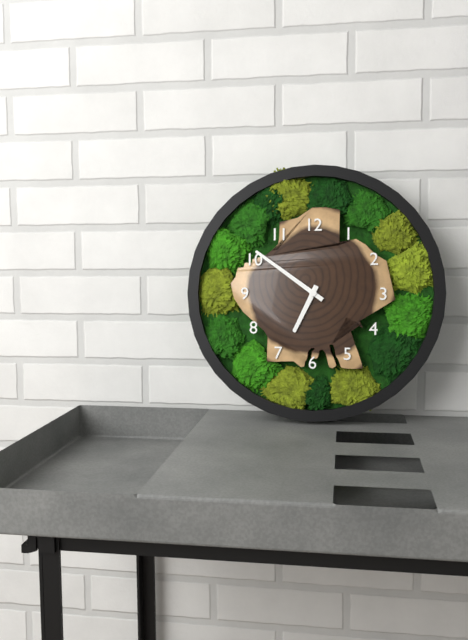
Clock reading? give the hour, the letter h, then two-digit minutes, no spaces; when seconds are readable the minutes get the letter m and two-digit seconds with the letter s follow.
6h51
